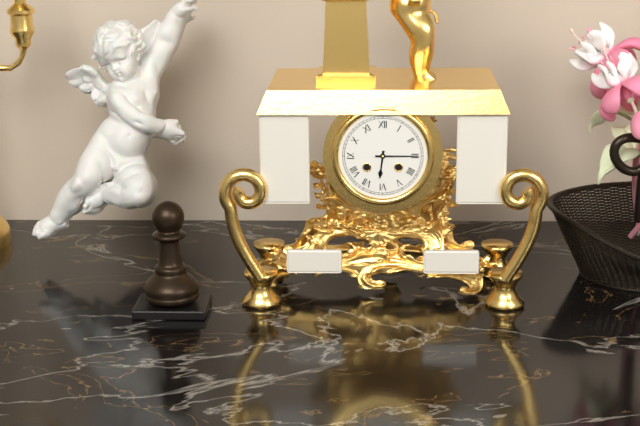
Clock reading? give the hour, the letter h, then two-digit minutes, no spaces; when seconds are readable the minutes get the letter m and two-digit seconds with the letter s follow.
6h15
